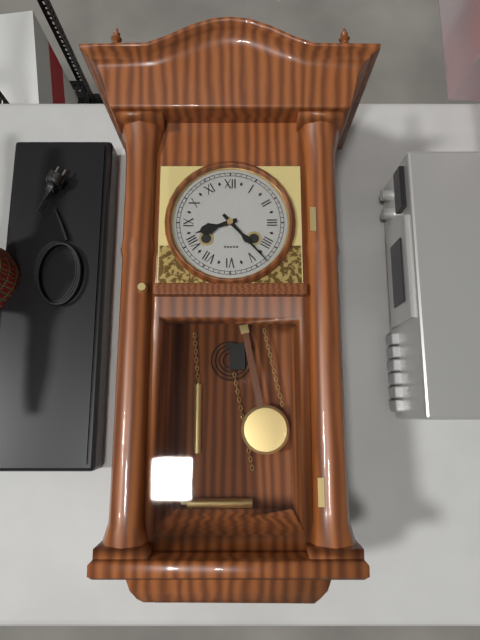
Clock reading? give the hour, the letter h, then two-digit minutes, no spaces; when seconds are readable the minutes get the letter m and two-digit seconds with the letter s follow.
8h23
